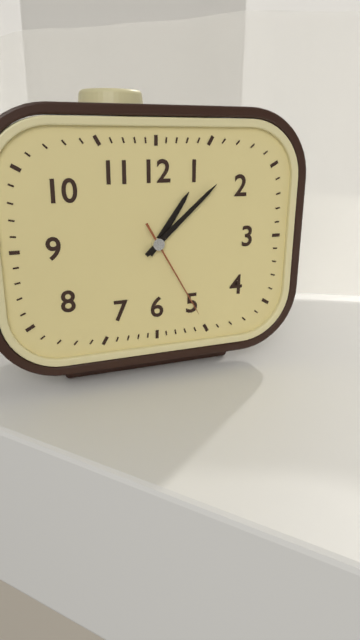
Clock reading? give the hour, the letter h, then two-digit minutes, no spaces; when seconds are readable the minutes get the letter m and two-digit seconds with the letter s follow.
1h08m25s
